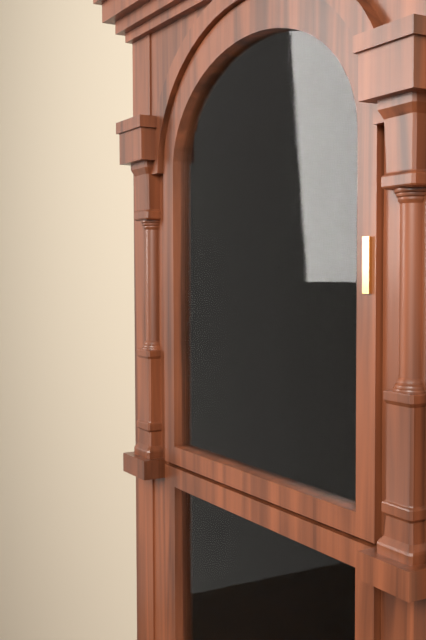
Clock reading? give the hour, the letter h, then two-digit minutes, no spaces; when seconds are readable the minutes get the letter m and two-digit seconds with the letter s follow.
10h10
